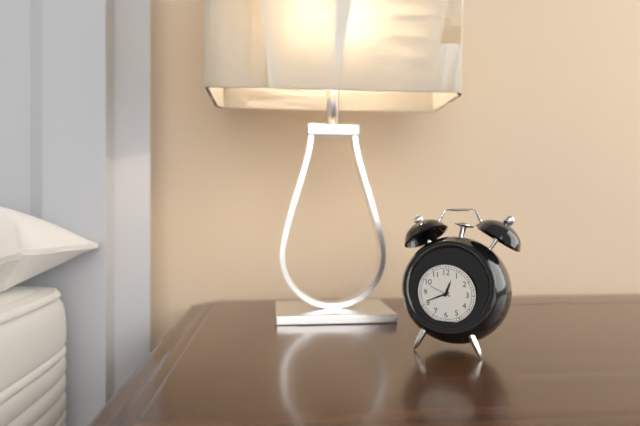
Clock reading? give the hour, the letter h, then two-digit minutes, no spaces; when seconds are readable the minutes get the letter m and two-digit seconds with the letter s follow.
12h41
